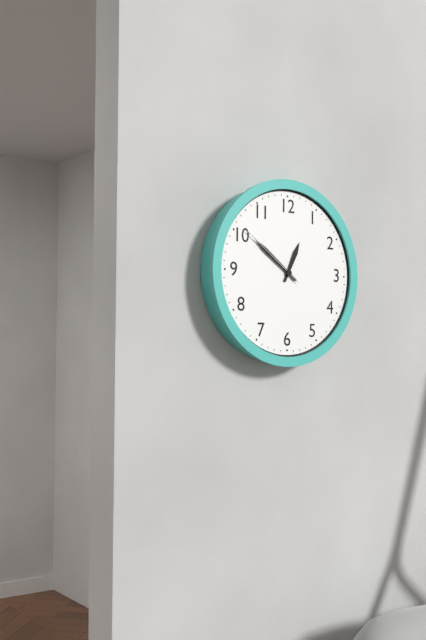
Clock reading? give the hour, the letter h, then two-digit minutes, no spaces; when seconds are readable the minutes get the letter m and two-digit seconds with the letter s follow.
12h51m51s
